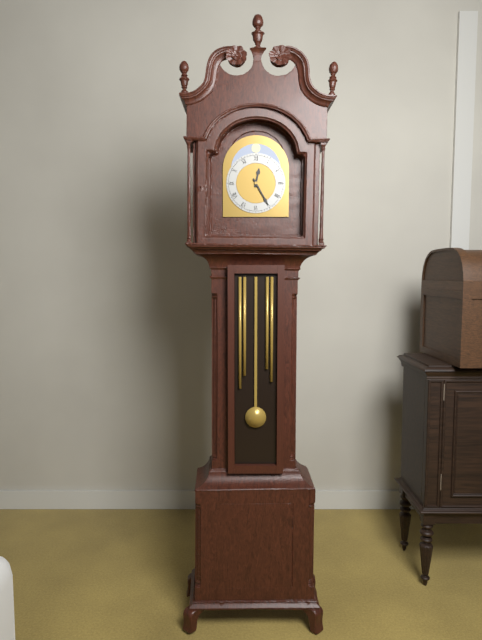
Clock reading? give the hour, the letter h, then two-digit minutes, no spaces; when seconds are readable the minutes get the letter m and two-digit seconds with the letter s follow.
12h25
